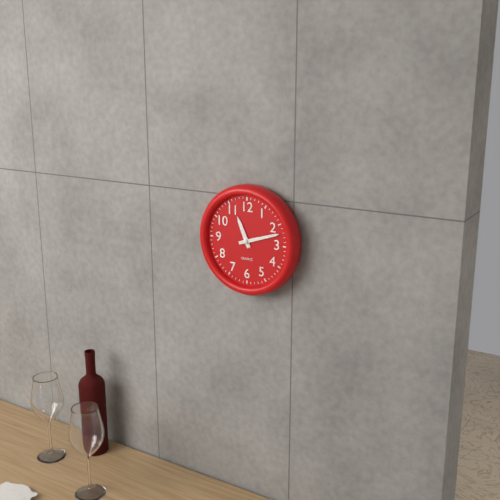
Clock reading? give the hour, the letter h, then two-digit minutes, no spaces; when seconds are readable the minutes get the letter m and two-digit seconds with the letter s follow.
11h12
